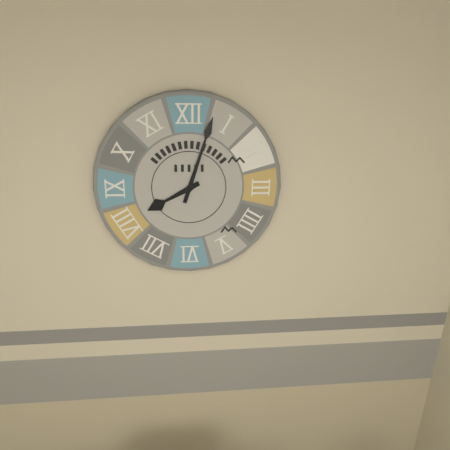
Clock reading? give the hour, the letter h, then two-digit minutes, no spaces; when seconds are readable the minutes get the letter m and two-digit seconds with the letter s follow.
8h03
